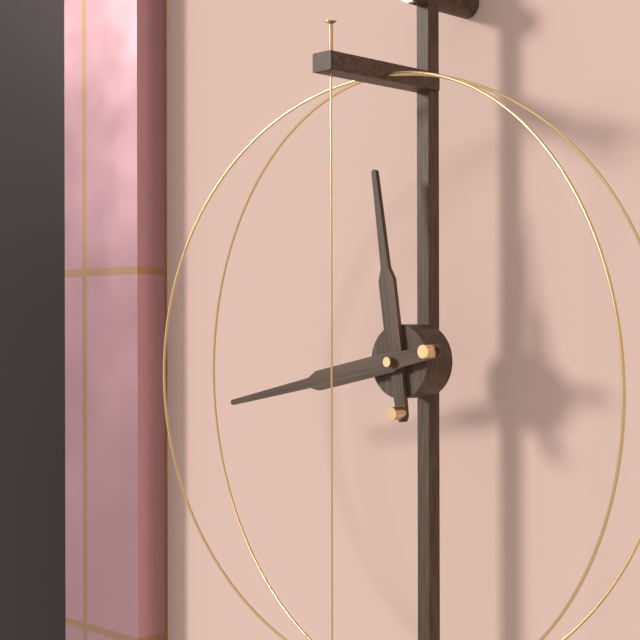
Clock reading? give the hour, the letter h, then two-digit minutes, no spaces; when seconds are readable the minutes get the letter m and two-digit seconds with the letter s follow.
11h43
